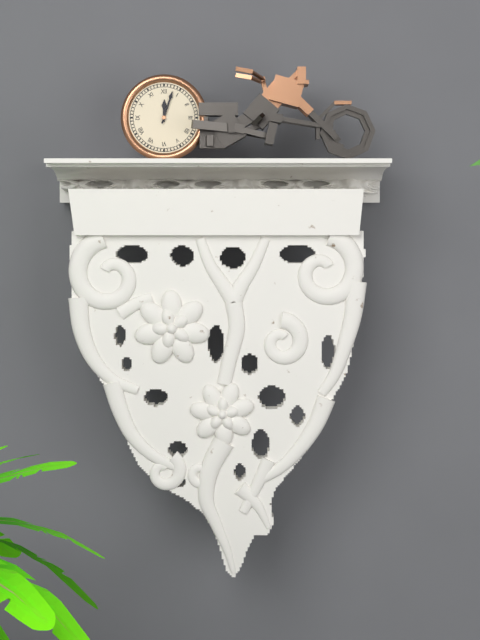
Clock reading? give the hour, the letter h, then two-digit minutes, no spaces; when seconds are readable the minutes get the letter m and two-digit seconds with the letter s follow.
12h03
